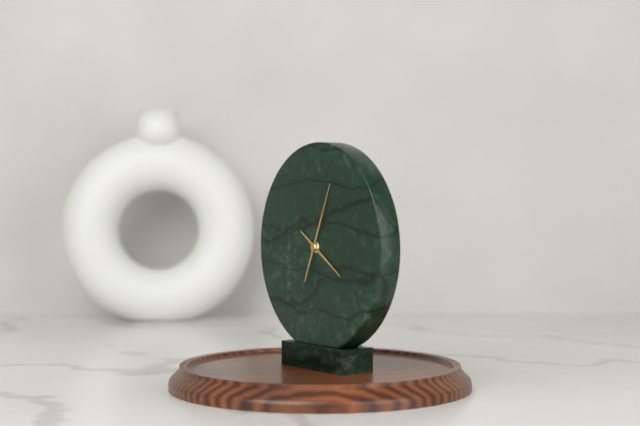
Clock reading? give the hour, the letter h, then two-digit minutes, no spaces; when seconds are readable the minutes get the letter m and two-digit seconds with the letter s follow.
4h04
